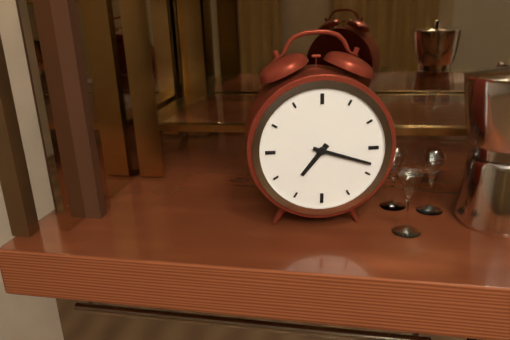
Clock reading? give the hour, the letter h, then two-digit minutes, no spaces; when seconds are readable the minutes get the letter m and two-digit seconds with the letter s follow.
7h18
